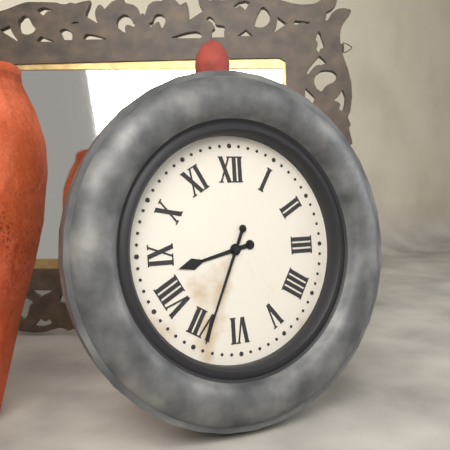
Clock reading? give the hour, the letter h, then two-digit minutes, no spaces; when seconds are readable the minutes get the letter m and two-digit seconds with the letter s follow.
8h34
